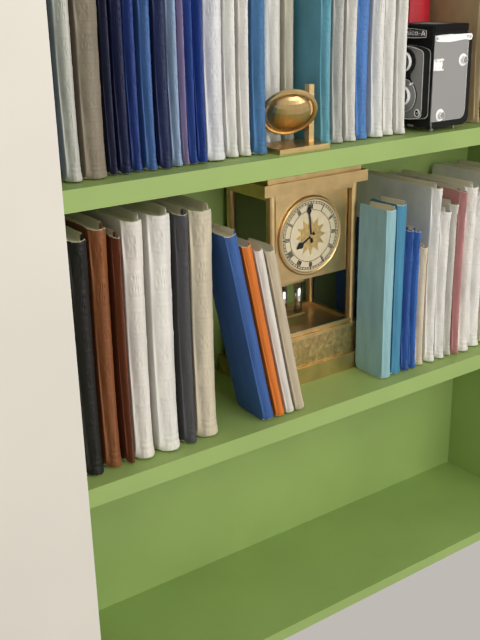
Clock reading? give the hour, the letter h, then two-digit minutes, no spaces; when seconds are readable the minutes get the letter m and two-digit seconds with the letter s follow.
7h59
